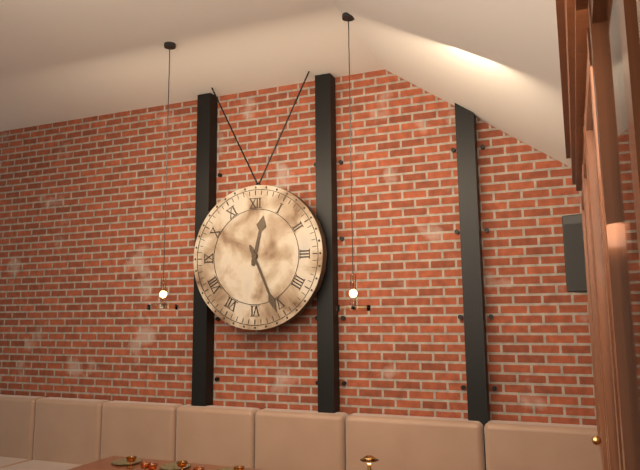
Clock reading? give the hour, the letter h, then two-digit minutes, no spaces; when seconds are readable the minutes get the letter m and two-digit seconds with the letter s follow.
12h26
